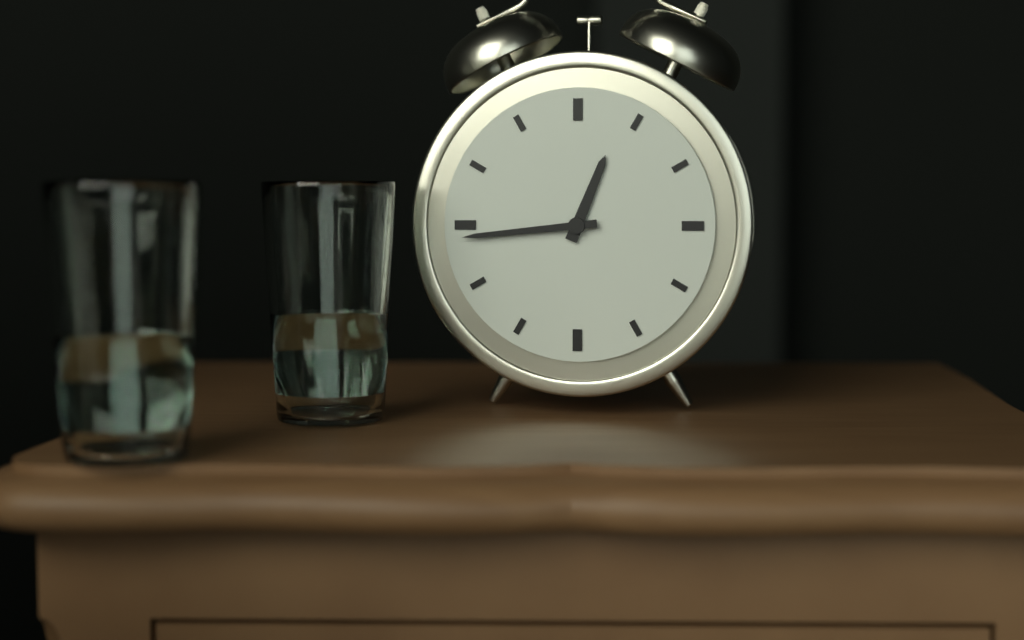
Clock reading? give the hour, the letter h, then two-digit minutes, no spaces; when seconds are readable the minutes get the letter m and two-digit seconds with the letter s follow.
12h44
